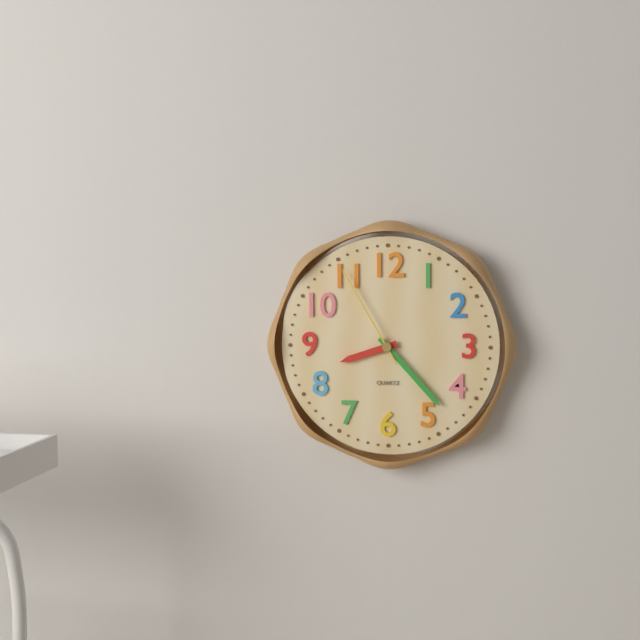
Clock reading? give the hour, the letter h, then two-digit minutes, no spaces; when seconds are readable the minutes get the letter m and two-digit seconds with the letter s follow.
8h23m55s
